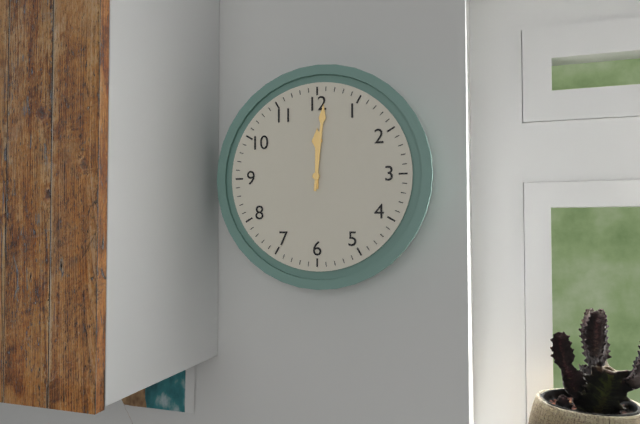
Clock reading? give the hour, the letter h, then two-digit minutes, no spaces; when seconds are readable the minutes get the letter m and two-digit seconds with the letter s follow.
12h01
